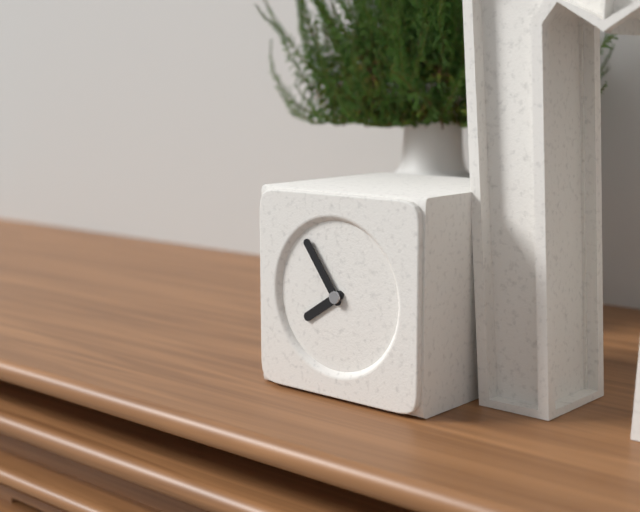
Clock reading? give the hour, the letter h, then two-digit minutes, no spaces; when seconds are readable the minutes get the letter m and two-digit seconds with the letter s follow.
7h54
